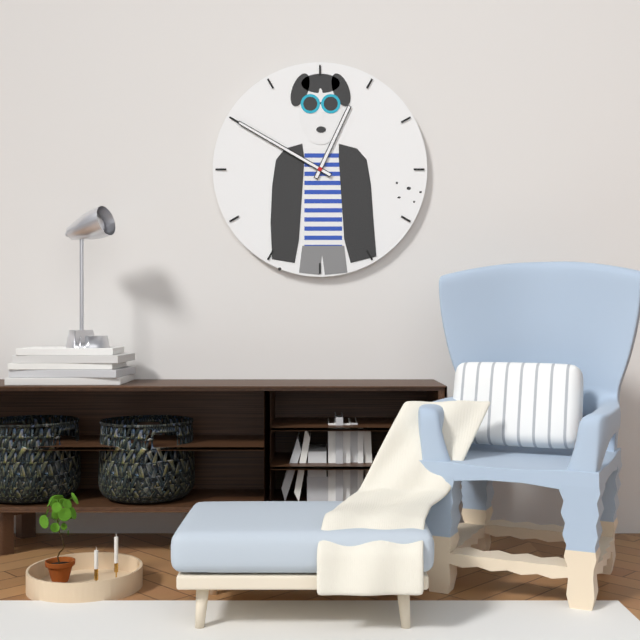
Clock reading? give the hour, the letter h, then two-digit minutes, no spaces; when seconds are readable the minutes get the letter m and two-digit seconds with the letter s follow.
12h50
